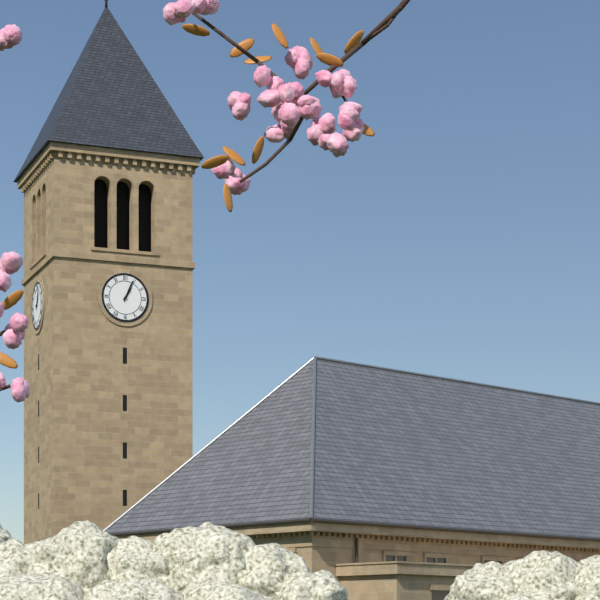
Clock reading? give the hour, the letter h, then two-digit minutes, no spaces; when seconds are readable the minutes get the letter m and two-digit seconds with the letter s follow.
1h04
